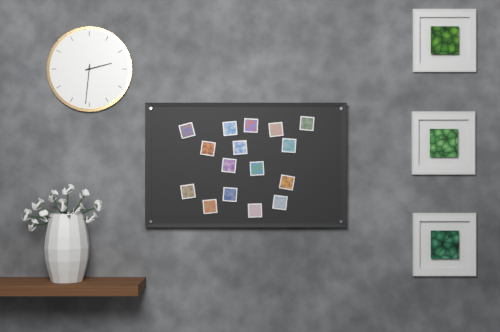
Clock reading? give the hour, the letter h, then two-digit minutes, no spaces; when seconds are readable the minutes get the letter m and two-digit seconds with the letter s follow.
2h31
